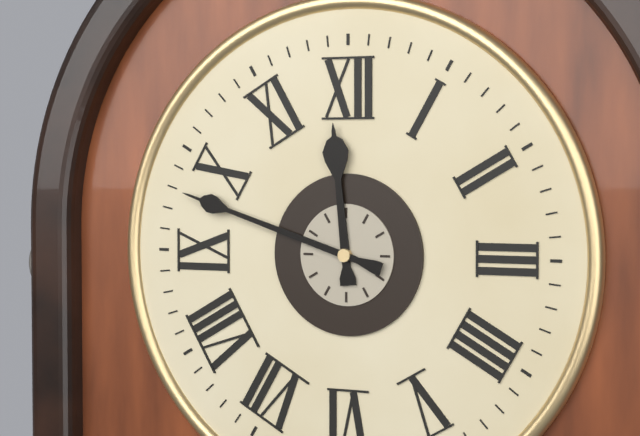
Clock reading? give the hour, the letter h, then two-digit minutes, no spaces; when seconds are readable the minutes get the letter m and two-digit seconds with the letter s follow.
11h48
